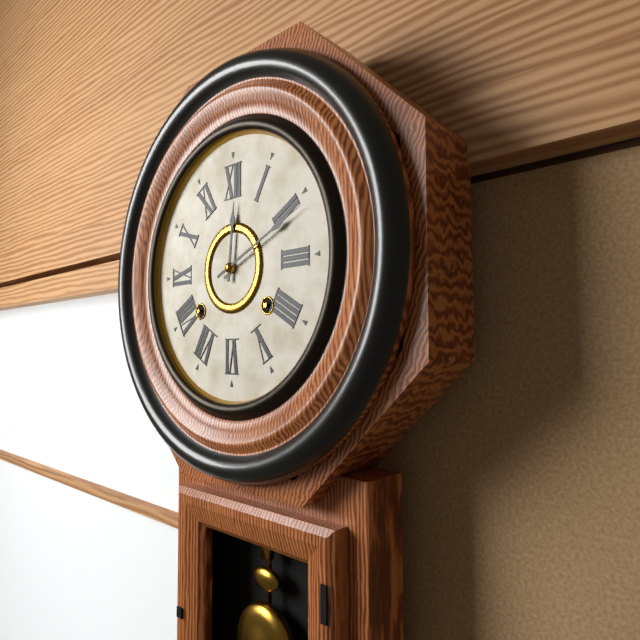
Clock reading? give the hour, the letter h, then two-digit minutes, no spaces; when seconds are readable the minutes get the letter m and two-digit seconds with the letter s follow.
12h11
